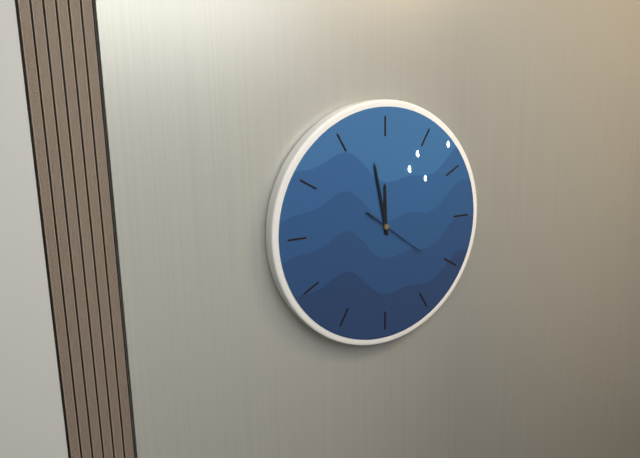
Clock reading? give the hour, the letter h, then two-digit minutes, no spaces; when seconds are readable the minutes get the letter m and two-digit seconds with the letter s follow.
11h58m21s
